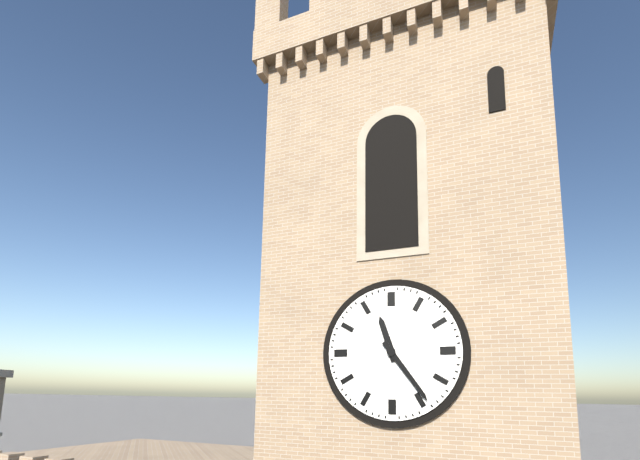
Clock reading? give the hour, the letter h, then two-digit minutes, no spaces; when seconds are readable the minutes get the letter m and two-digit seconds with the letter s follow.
11h24
